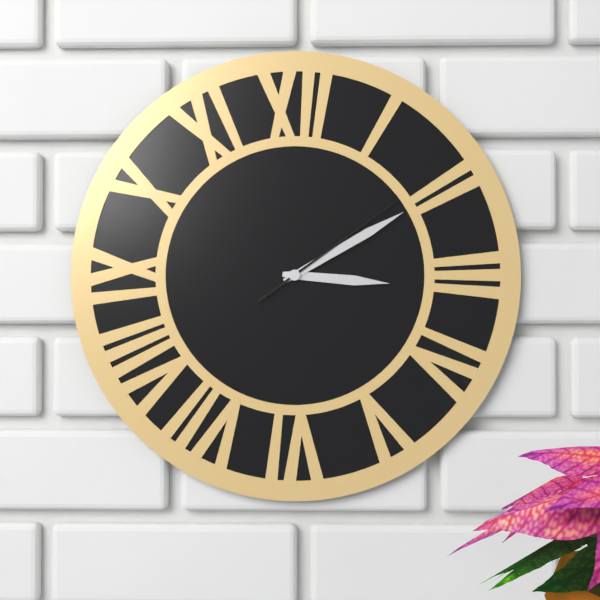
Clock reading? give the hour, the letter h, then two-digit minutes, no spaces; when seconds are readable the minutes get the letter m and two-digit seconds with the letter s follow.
3h10m09s
